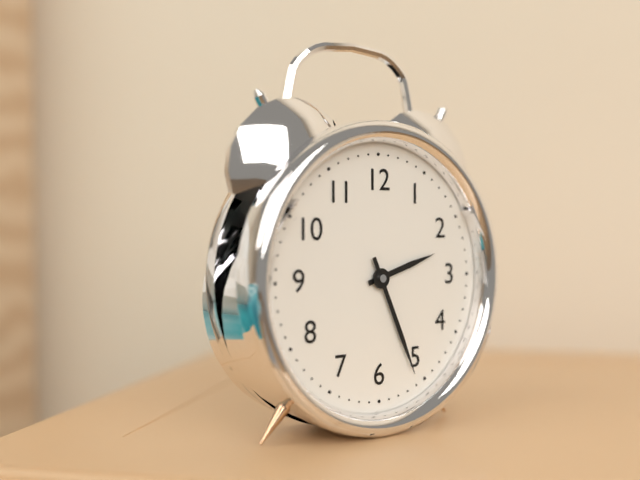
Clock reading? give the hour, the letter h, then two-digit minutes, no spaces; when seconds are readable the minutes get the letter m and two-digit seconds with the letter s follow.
2h26
